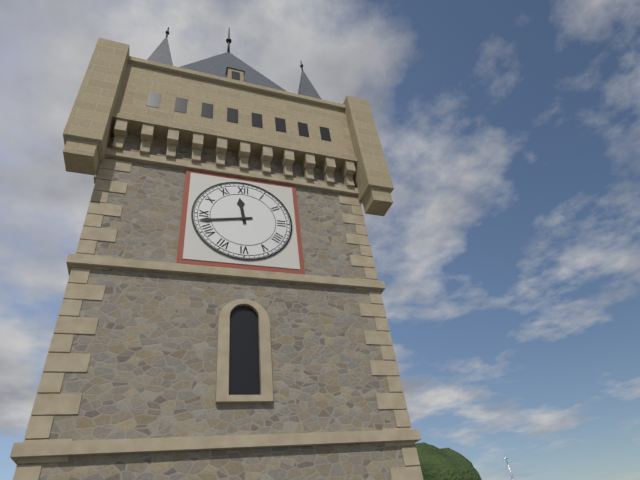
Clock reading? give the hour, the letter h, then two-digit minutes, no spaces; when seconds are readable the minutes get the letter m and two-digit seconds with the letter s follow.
11h43
